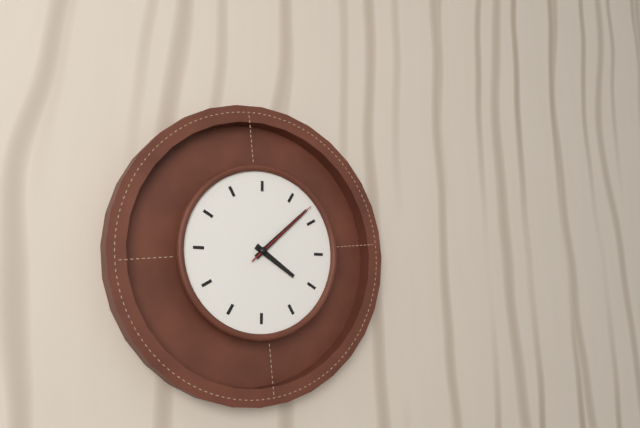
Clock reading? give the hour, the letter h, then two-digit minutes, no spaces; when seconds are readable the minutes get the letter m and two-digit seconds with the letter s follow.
4h08m08s
